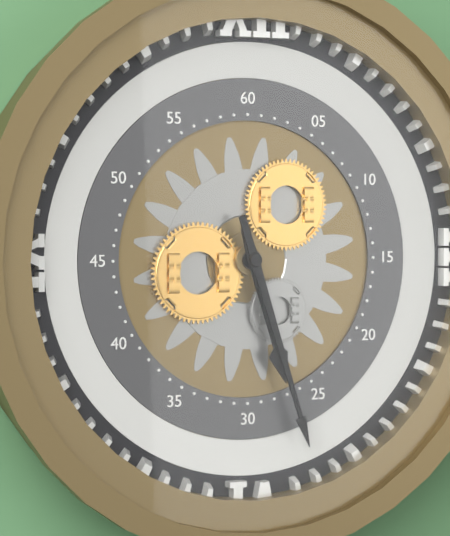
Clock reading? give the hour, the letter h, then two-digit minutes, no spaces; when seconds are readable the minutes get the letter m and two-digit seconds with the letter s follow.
5h27
